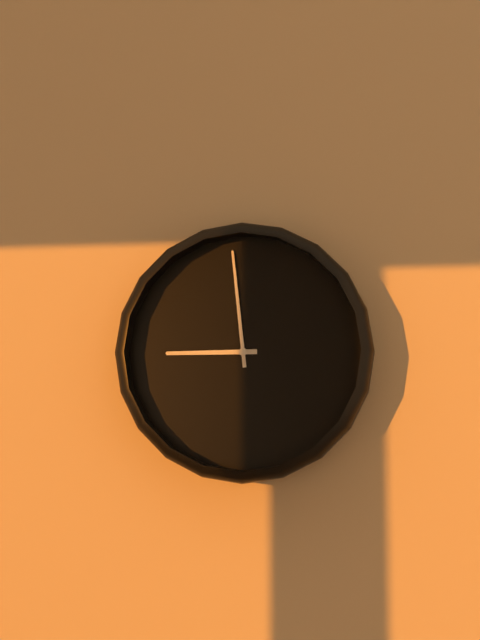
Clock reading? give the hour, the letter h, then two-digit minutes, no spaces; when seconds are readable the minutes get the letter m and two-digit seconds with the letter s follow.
8h59
